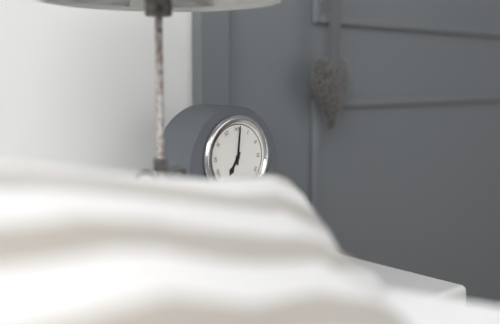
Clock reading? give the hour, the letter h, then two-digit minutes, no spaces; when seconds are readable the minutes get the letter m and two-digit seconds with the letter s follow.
7h01
